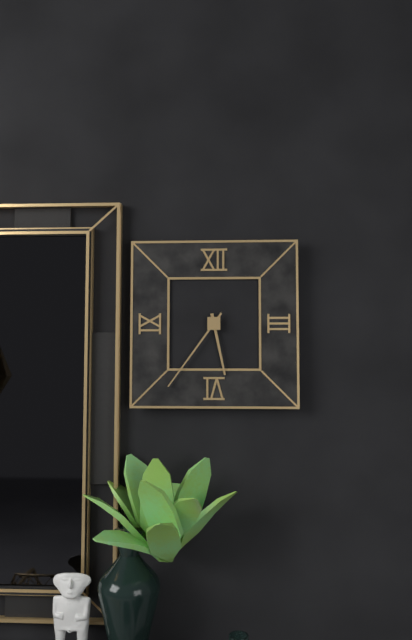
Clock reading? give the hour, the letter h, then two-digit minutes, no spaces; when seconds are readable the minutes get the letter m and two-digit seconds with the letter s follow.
5h36
